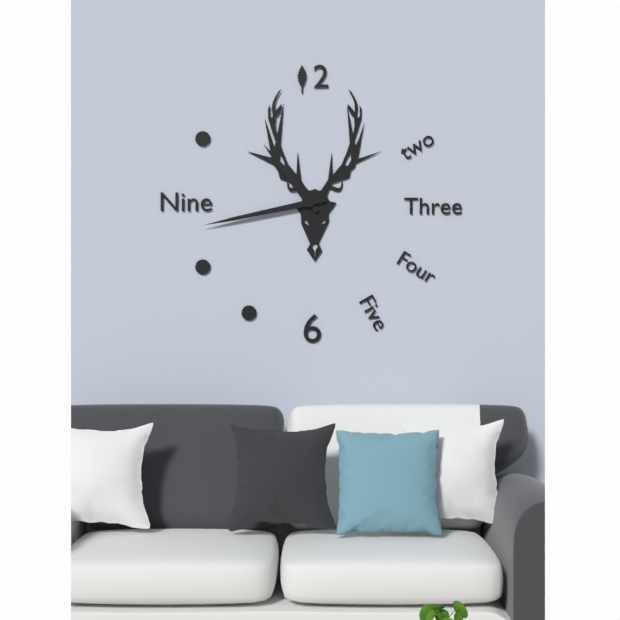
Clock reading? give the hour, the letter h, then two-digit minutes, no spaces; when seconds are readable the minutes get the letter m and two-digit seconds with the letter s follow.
10h43
